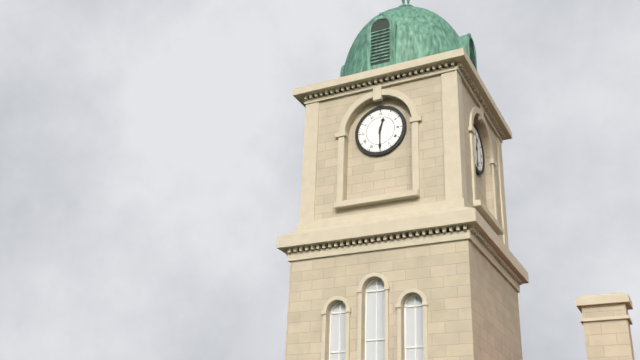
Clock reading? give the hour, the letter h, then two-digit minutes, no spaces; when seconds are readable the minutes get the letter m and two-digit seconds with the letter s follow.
12h30
